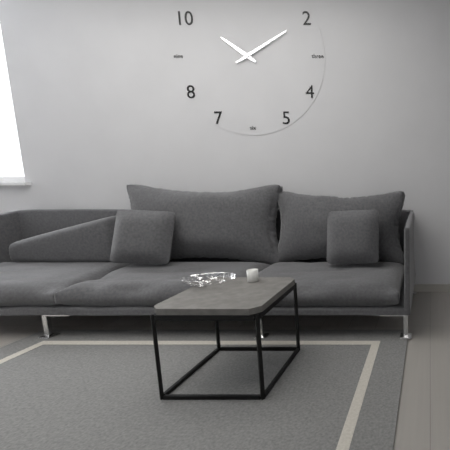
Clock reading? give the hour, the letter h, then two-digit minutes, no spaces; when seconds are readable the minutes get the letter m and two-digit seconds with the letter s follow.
10h10
